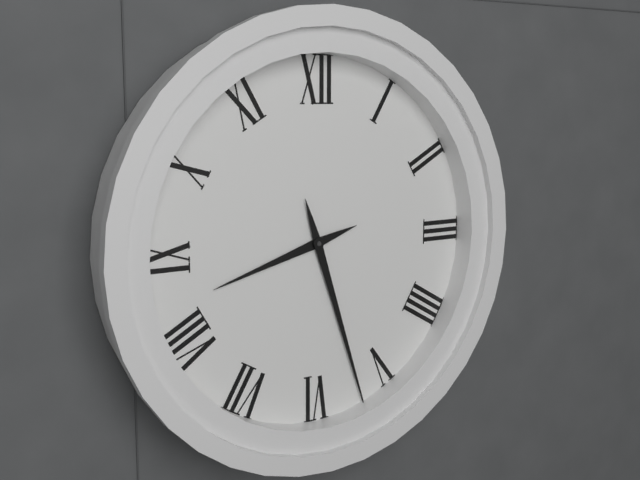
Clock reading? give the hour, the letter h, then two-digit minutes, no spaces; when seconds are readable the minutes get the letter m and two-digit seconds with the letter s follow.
8h27
